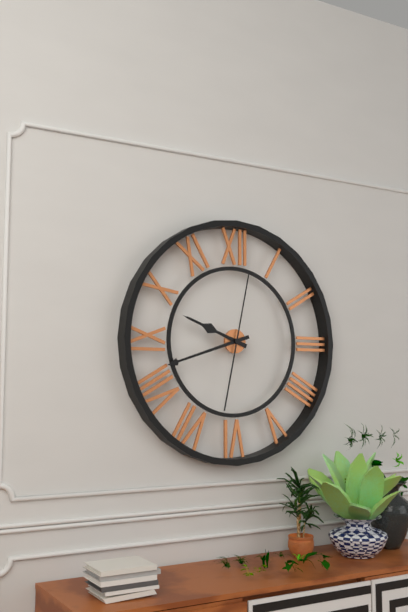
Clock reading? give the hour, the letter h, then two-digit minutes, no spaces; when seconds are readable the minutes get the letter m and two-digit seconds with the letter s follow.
9h42m02s
